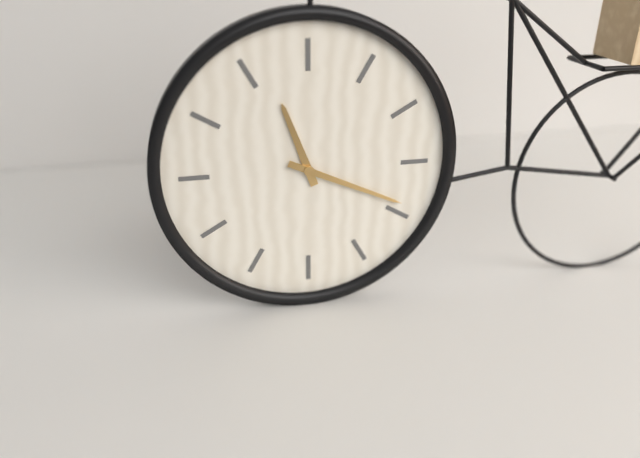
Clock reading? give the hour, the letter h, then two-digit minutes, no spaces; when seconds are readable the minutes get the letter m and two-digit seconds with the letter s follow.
11h19
